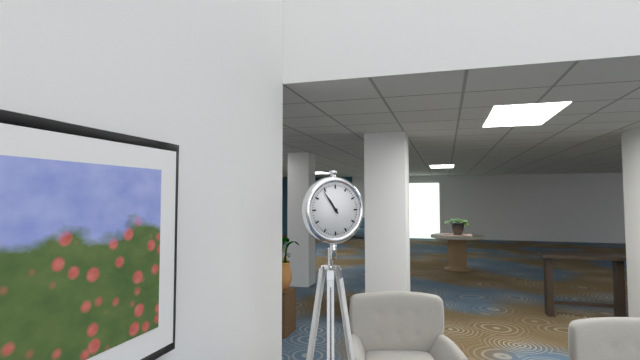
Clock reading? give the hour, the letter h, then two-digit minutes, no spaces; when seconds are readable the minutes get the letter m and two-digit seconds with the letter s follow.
10h54
